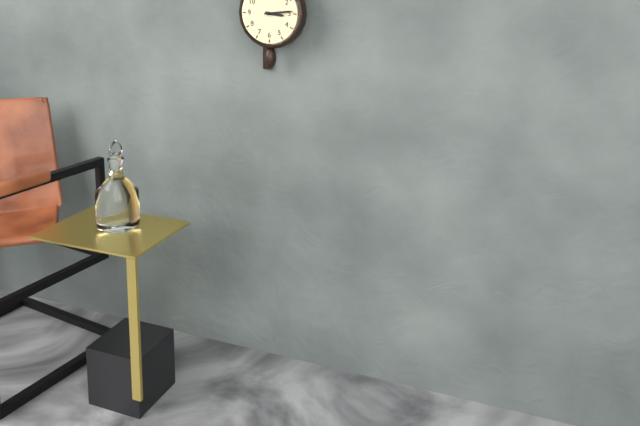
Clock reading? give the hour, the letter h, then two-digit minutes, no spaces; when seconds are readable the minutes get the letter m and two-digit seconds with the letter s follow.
3h14
